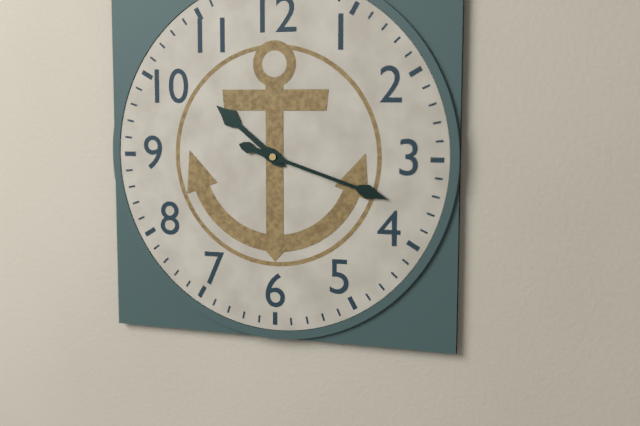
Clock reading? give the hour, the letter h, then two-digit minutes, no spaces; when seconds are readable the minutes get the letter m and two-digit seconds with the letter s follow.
10h18
